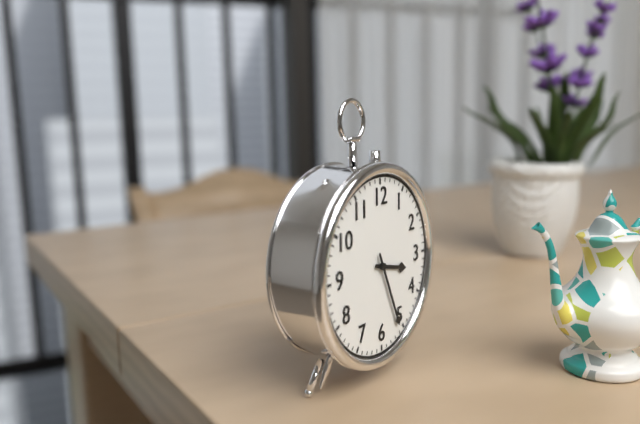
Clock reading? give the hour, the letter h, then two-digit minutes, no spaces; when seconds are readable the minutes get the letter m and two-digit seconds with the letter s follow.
3h26
